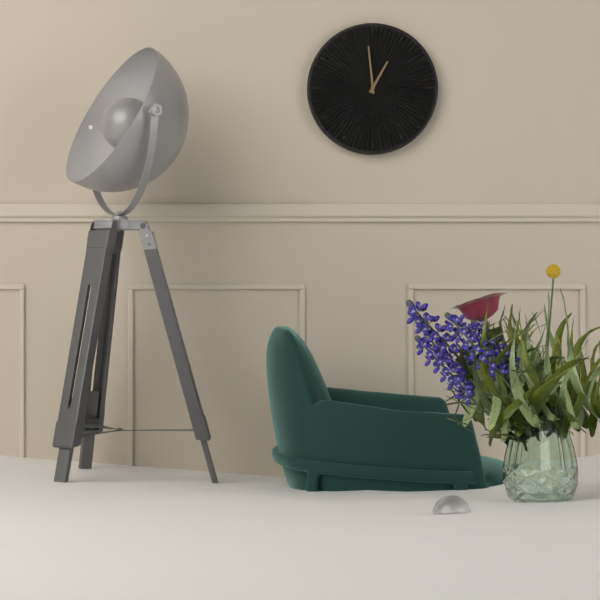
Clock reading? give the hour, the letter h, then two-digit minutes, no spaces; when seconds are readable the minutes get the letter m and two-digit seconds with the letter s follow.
12h59
